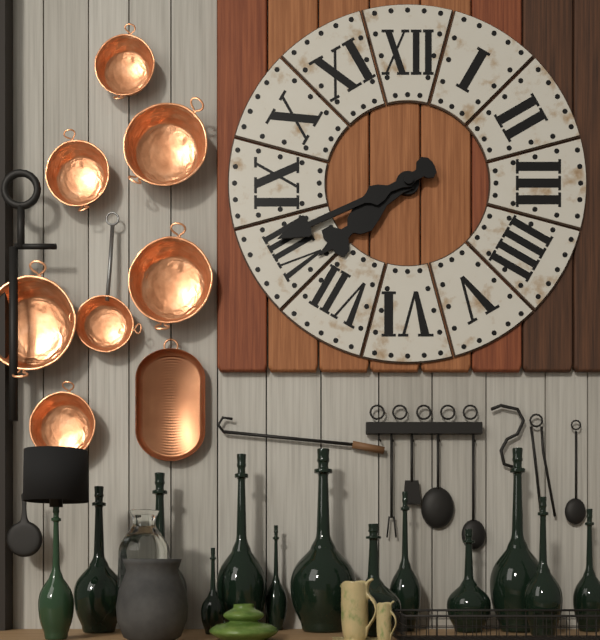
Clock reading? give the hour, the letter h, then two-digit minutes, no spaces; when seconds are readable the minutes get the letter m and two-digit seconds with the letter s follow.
7h41
